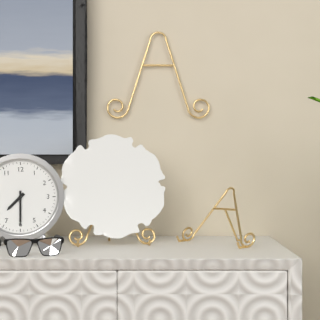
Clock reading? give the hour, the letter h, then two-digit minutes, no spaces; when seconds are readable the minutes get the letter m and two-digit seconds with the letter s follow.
7h30
